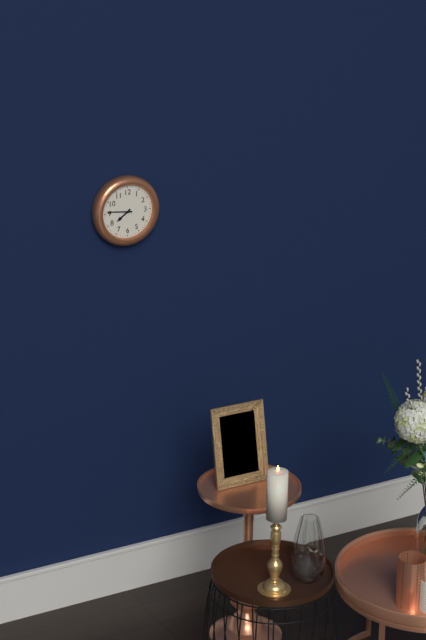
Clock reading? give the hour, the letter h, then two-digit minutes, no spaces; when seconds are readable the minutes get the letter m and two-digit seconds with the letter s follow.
7h46
